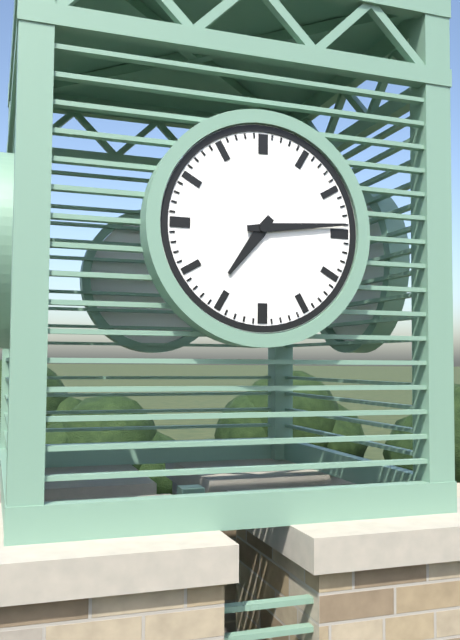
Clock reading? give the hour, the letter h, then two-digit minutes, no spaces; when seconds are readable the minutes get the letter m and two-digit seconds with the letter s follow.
7h14
